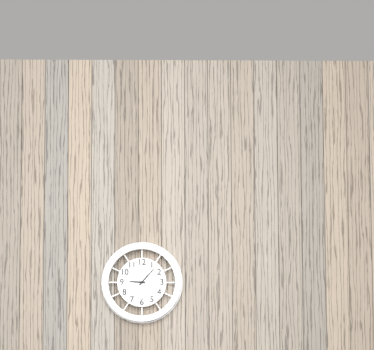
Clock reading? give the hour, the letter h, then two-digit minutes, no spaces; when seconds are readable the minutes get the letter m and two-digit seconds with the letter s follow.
9h07
